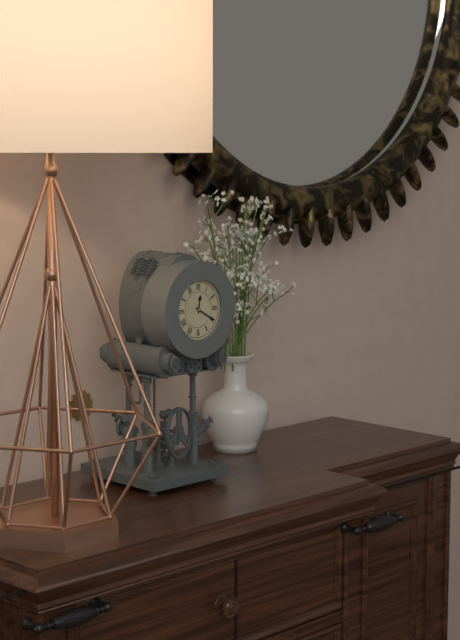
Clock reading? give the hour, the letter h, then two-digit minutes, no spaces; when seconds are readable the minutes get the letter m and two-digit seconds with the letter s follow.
12h20
